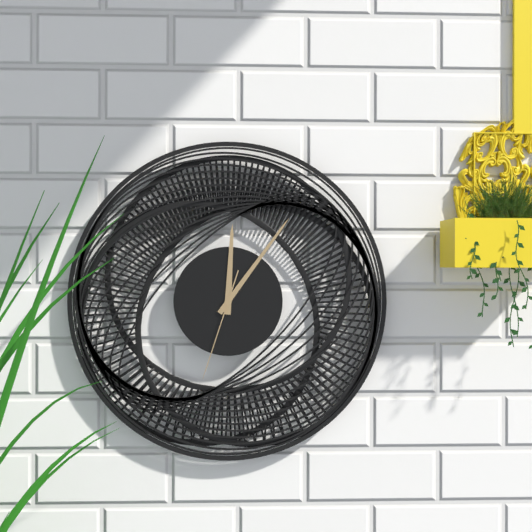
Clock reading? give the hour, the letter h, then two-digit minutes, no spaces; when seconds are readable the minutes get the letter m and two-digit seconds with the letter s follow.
12h06m33s
